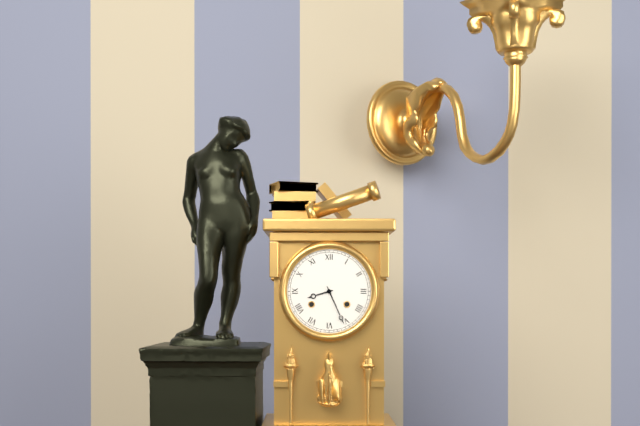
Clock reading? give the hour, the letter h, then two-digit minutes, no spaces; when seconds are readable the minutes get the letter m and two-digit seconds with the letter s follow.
8h26
